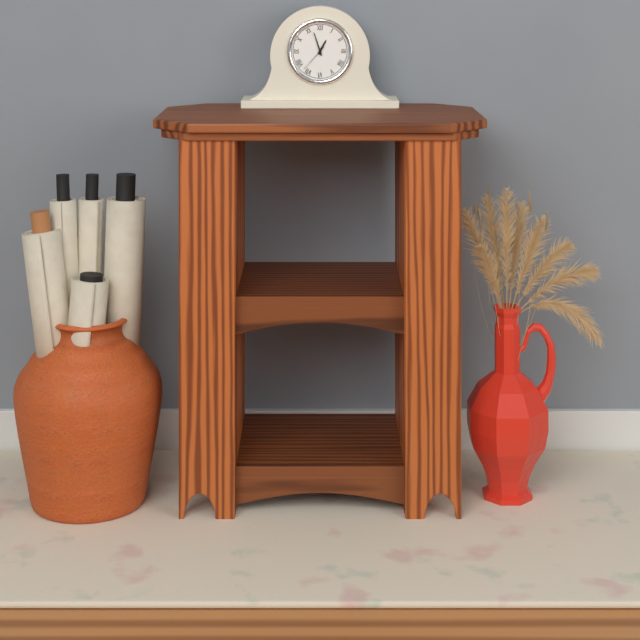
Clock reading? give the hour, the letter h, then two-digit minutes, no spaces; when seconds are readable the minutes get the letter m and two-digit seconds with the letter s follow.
12h57
